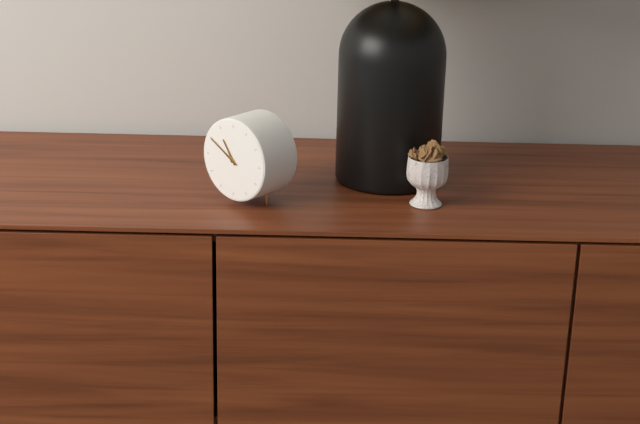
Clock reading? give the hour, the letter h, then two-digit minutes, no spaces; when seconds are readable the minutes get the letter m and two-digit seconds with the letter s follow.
10h50
